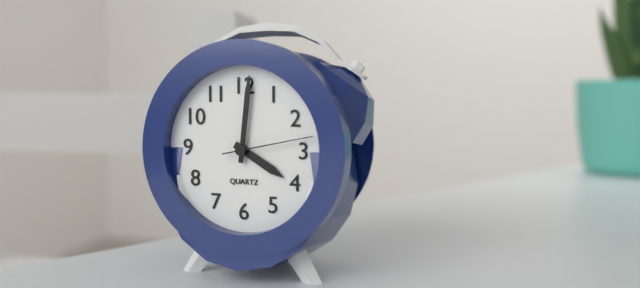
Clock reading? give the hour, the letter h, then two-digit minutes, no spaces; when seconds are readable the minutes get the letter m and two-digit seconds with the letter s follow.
4h01m13s
